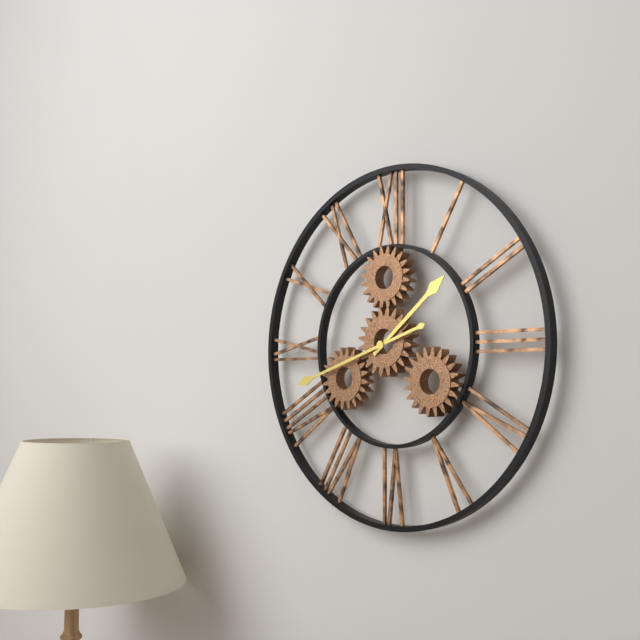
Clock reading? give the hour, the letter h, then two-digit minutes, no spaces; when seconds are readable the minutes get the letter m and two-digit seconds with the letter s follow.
1h42
